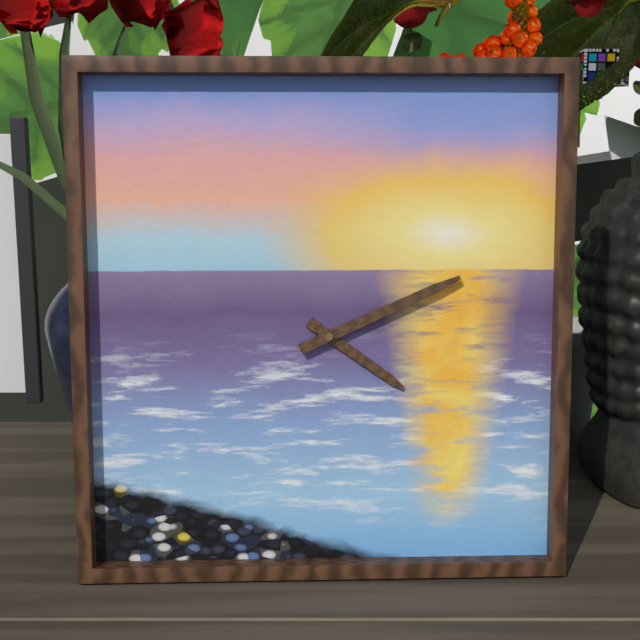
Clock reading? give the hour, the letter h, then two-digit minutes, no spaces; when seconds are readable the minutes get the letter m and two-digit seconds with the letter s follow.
4h11
